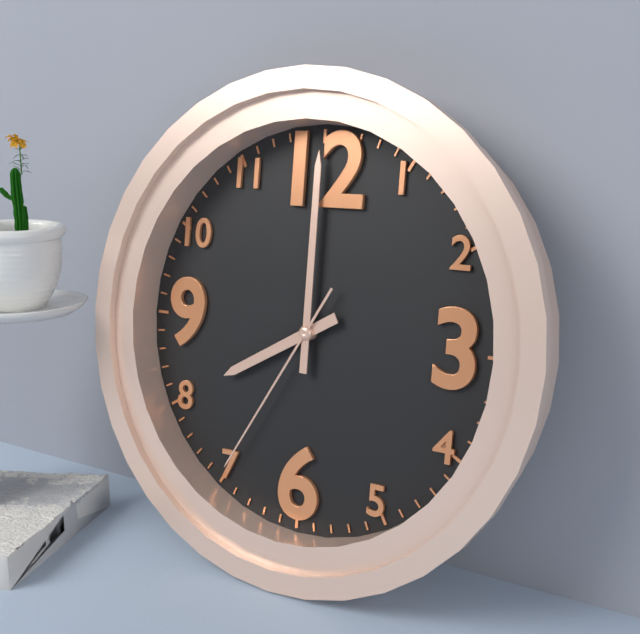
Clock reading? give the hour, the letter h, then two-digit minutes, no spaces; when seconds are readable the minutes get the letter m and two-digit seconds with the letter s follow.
8h00m35s
